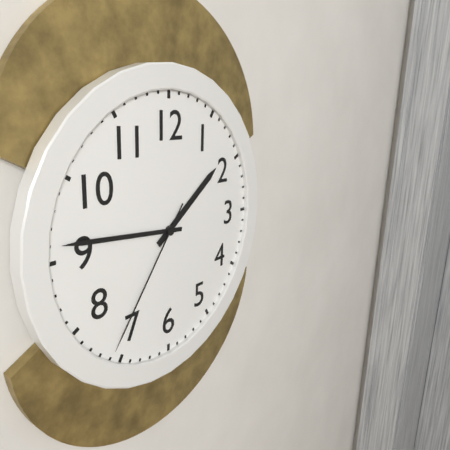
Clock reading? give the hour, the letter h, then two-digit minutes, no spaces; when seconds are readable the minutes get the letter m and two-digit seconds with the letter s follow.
1h46m36s
